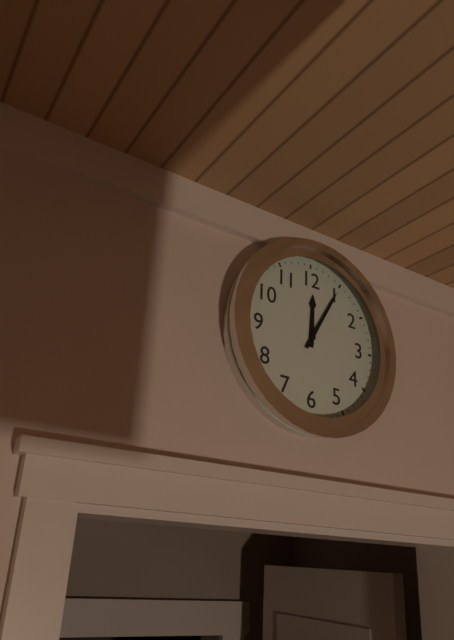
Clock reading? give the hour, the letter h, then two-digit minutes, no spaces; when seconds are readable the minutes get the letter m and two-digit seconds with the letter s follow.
12h05
